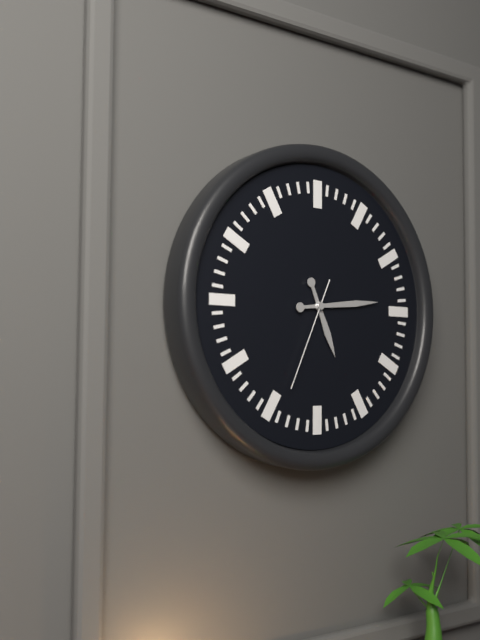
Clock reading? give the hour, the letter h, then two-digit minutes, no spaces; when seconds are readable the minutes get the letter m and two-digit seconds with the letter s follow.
5h14m34s
